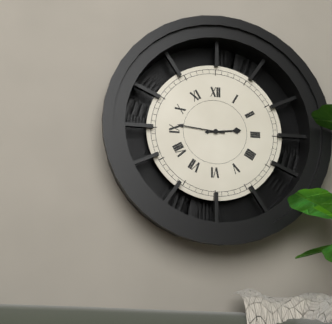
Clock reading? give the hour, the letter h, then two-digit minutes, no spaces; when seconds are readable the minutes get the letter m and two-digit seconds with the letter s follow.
2h46
